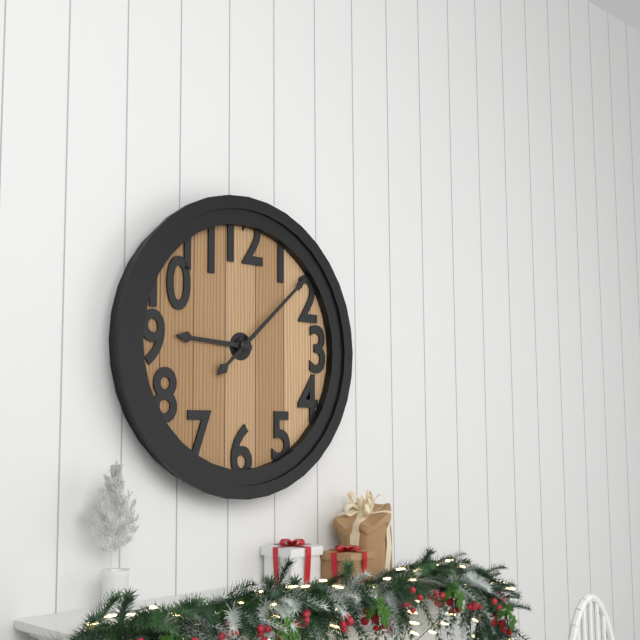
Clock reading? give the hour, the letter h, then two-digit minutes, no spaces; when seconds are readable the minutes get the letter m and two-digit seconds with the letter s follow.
9h08
